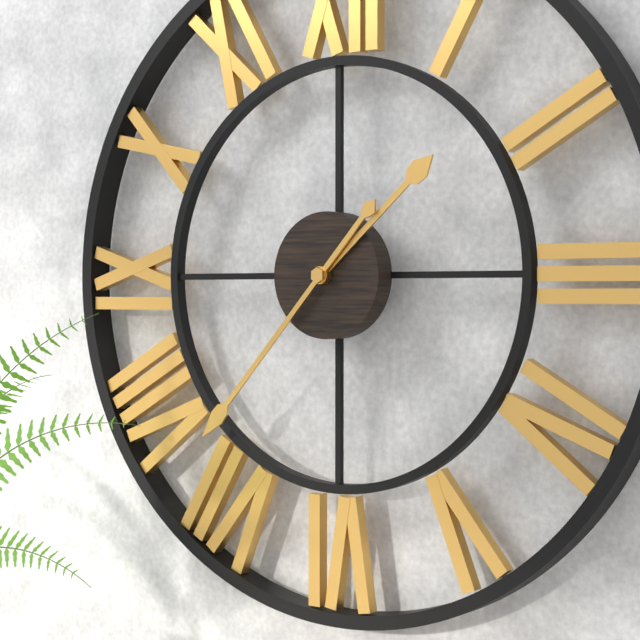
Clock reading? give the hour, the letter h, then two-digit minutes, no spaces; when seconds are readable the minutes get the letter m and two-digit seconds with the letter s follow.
1h37
